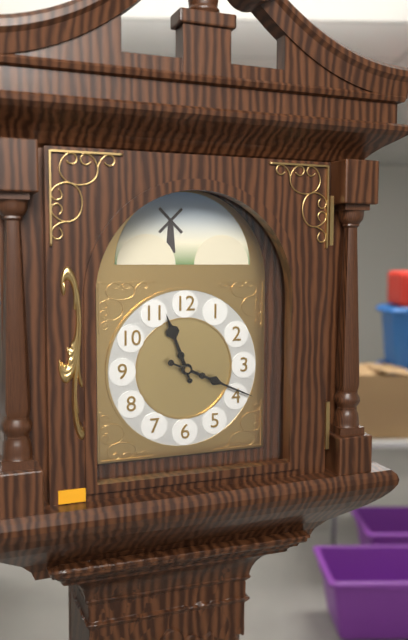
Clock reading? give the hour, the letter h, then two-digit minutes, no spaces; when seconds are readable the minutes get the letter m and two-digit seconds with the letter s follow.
11h19
